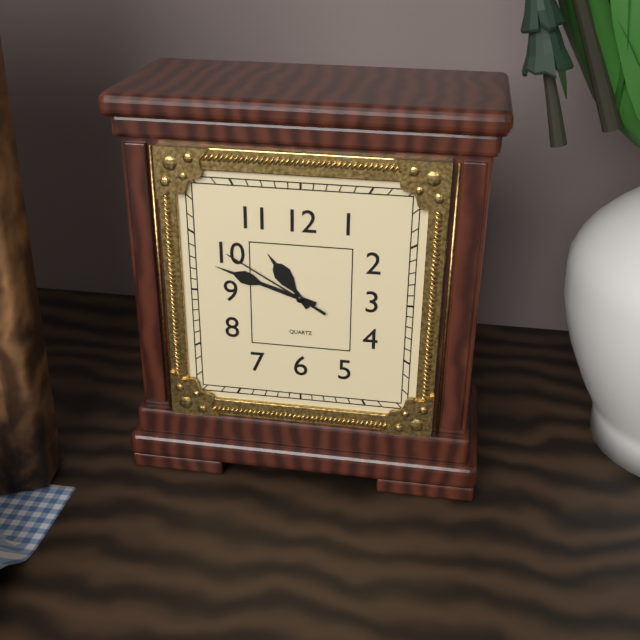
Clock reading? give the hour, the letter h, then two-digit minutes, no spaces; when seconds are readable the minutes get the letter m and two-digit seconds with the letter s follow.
10h48m50s
